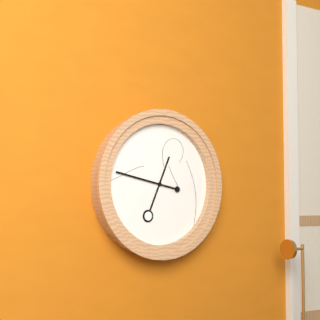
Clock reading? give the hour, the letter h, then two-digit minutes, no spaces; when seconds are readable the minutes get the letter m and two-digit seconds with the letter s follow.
12h47
